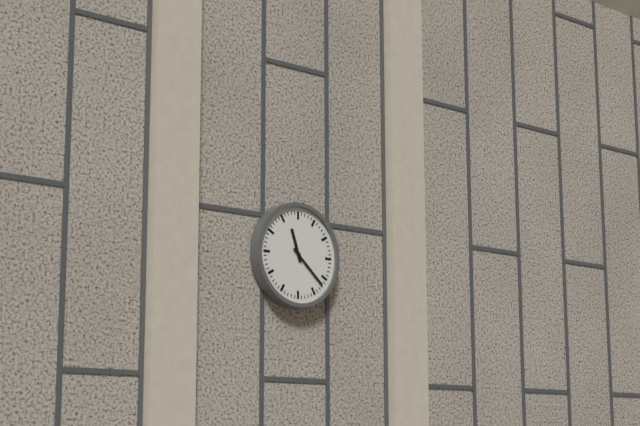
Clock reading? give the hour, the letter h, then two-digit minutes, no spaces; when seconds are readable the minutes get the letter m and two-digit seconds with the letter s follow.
11h22
